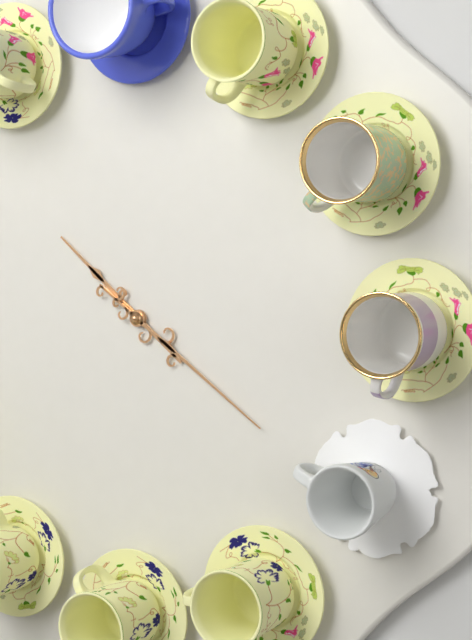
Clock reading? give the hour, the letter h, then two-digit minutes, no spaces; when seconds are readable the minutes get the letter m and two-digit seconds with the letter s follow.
10h21
